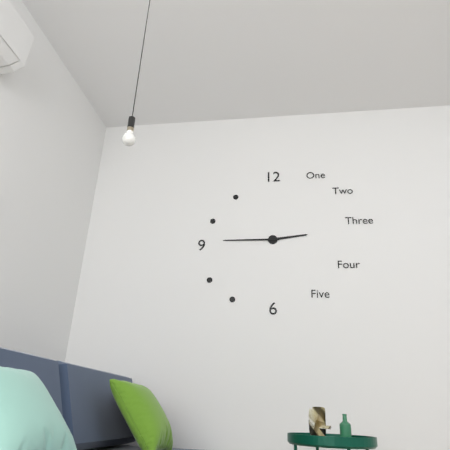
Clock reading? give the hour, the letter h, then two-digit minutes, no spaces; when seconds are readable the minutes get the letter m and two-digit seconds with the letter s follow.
2h45
